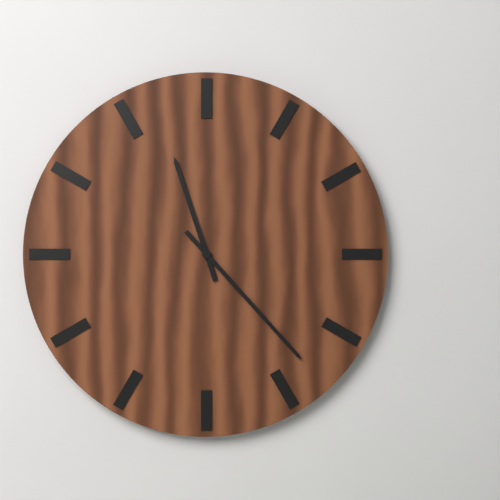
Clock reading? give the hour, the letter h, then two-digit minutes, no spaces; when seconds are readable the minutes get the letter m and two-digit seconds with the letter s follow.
11h23
